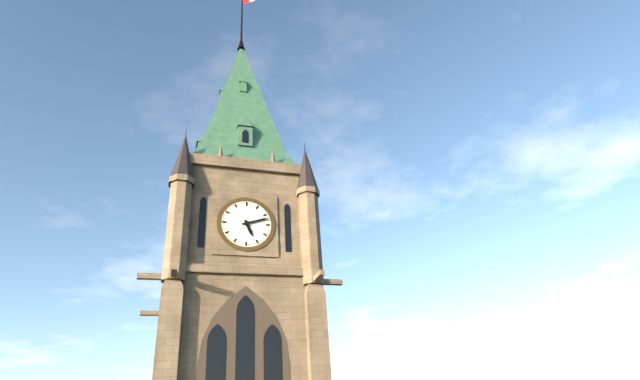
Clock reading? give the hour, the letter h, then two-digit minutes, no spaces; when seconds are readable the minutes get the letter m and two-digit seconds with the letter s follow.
5h12
